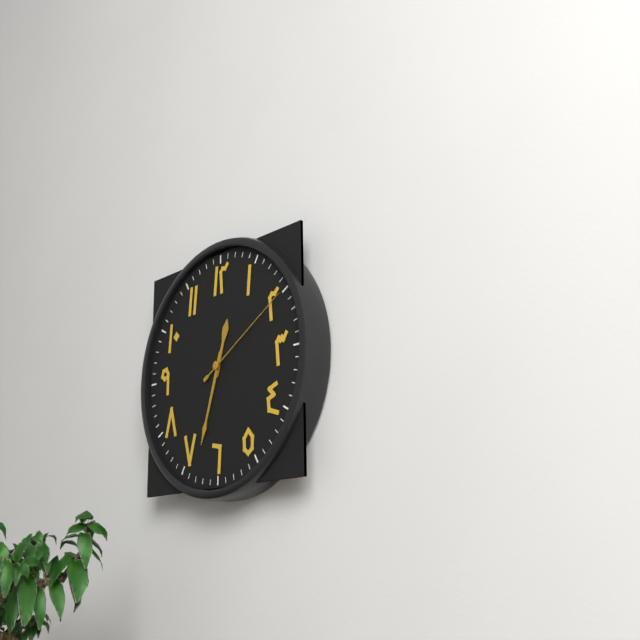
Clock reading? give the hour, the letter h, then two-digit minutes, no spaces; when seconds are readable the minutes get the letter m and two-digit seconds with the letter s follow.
12h33m10s
